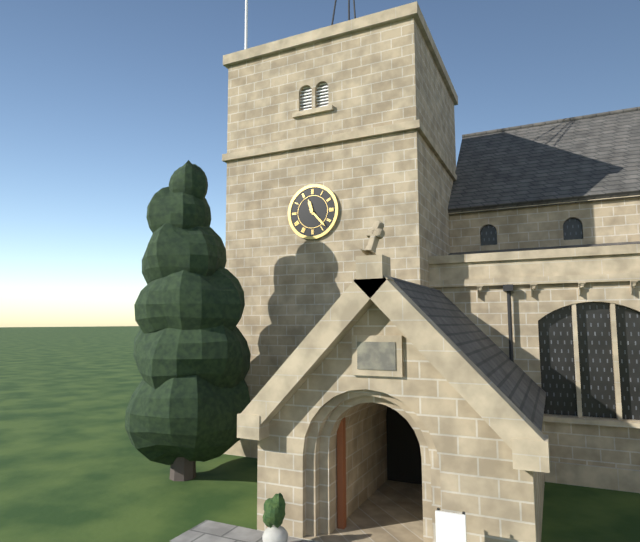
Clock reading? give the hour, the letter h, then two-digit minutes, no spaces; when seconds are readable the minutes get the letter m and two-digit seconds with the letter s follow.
11h23
